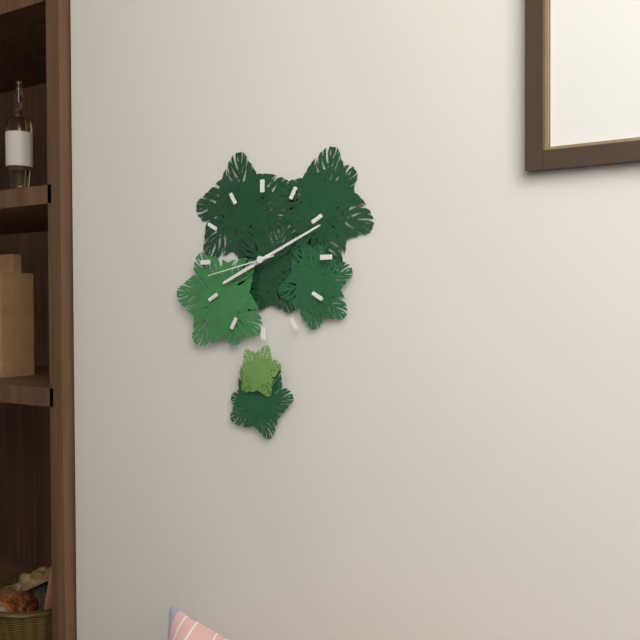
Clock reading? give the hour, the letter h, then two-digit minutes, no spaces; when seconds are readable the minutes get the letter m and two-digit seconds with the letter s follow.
8h11m43s
